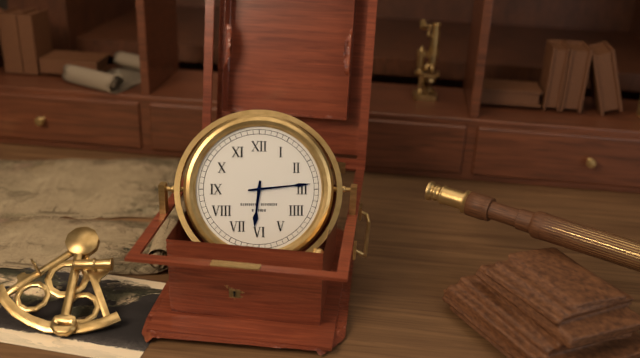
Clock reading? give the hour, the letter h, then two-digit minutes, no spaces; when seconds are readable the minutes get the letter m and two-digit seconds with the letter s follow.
6h14
